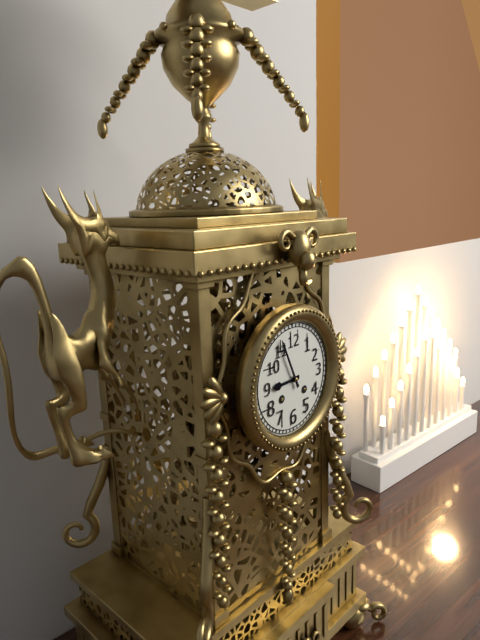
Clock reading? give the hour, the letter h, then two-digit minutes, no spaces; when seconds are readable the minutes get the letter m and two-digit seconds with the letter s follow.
8h56
